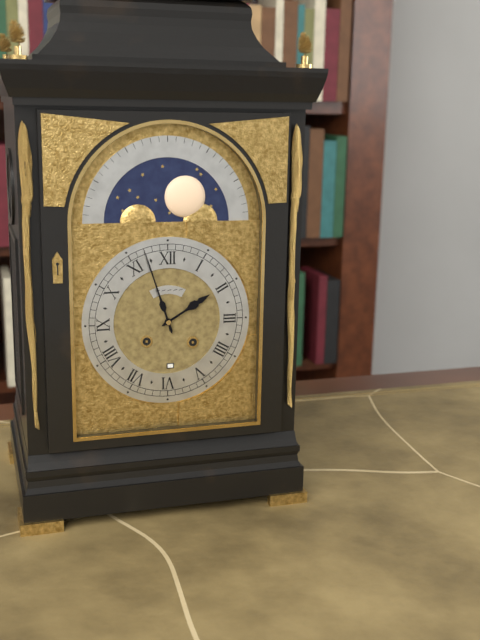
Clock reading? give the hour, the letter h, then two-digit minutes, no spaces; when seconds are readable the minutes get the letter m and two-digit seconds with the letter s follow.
1h57
